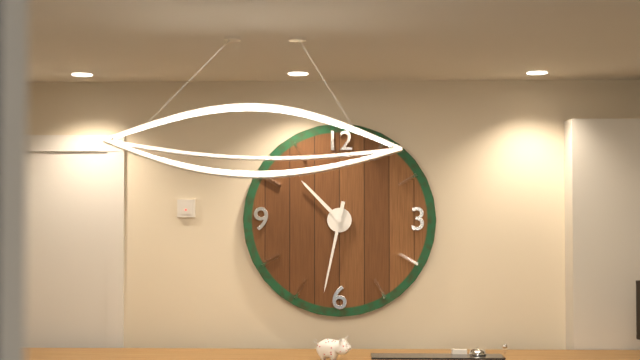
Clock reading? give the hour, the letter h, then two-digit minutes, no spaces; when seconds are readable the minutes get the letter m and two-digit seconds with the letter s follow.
10h32
